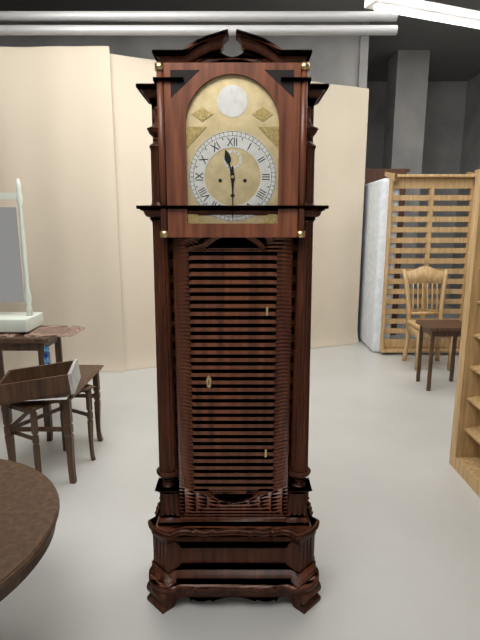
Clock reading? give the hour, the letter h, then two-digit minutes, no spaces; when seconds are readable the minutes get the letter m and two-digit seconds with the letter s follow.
11h30
